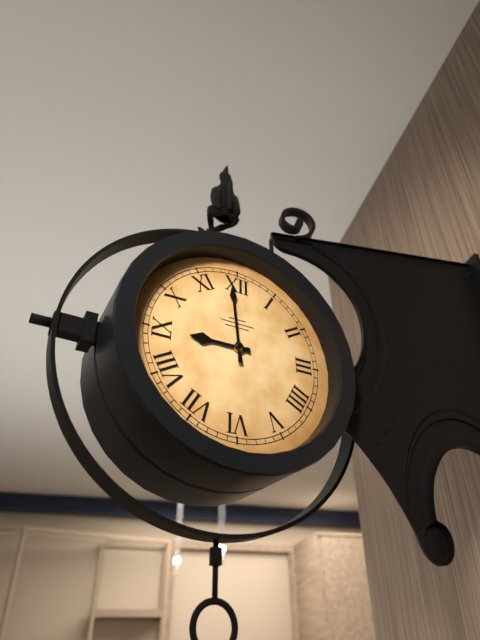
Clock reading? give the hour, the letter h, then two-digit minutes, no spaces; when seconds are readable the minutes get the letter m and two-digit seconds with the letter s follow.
8h59
